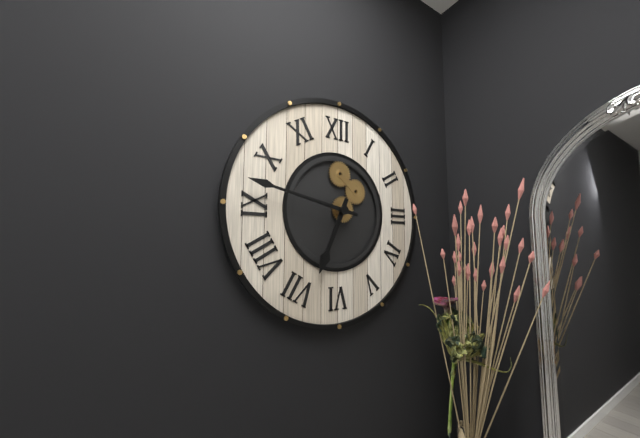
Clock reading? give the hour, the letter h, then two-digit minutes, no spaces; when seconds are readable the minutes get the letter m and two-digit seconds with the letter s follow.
6h47
